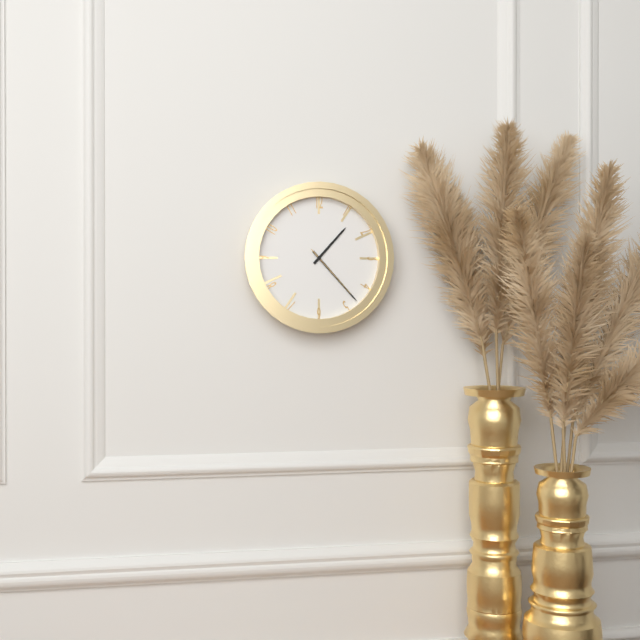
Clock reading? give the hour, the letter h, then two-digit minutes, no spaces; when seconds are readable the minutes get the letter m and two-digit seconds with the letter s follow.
1h23m23s
